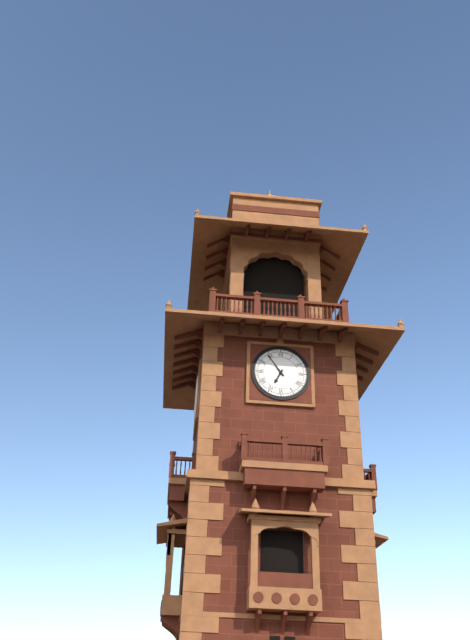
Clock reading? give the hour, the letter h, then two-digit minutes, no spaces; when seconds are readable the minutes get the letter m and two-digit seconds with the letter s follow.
6h54
